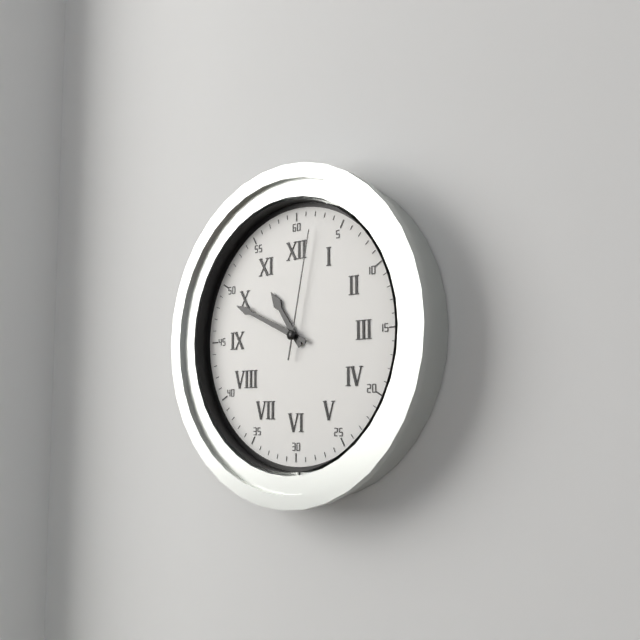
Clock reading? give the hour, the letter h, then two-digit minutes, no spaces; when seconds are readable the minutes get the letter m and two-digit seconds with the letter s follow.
10h49m02s
